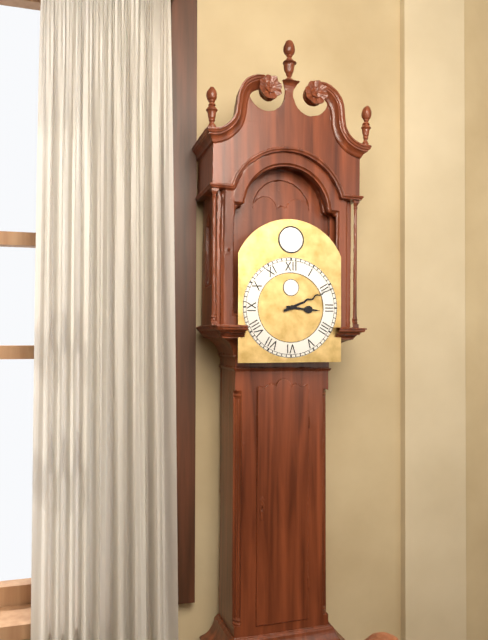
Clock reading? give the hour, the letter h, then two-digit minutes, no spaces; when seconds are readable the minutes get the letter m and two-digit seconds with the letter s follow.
3h11
